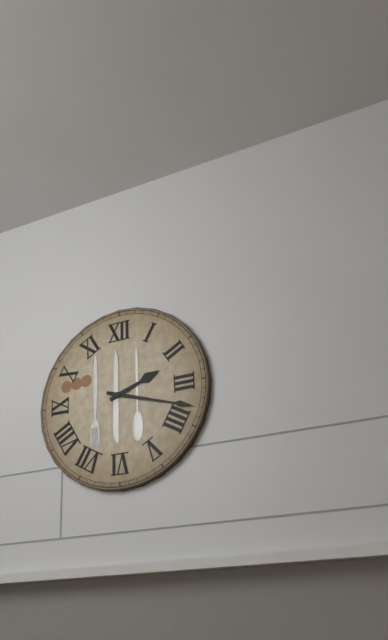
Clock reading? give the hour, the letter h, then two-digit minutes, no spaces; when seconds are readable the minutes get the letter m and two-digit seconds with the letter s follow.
2h18
